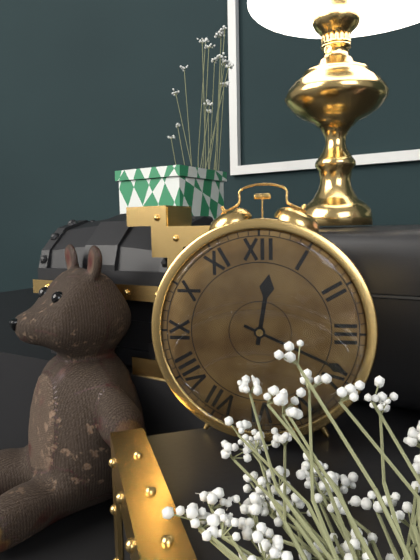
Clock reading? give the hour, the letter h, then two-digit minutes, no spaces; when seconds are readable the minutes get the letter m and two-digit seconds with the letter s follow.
12h19
